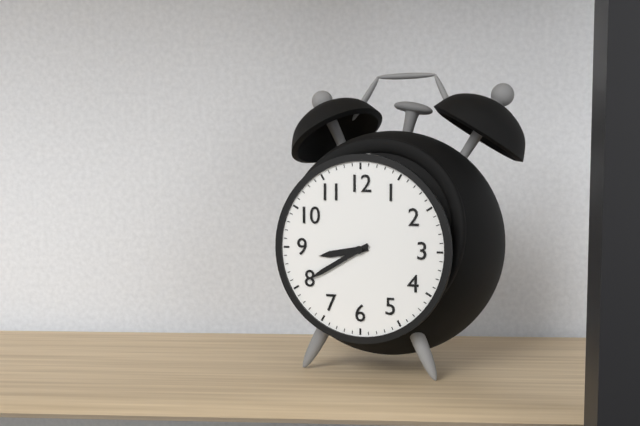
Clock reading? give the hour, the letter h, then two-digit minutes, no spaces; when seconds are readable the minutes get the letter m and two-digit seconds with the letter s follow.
8h40
